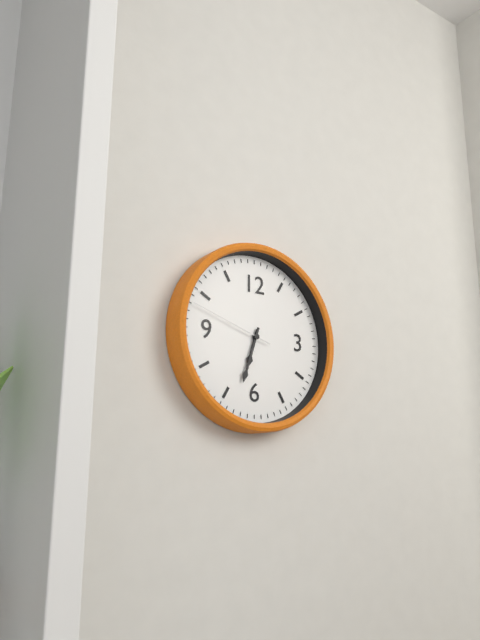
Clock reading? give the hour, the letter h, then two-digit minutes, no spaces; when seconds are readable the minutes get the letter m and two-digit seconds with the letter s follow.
6h33m48s
